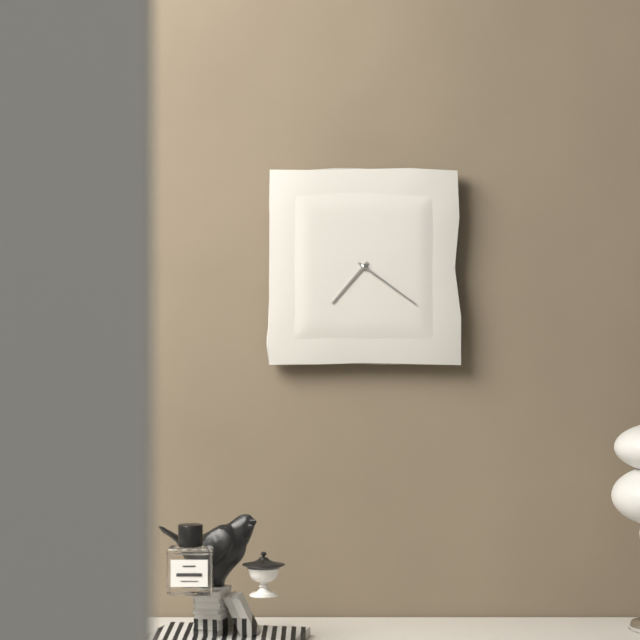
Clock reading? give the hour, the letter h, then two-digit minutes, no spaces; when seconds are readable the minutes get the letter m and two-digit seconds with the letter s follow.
7h21
